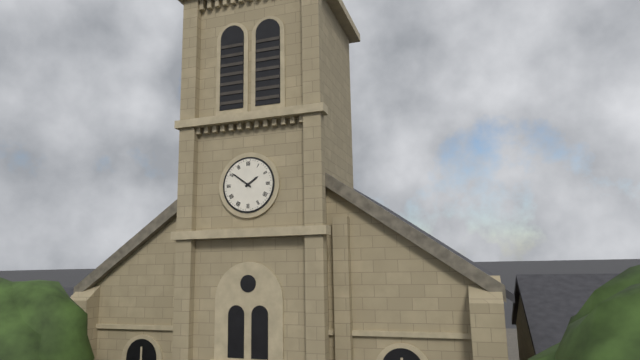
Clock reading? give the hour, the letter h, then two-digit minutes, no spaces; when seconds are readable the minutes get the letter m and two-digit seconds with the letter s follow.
1h51
